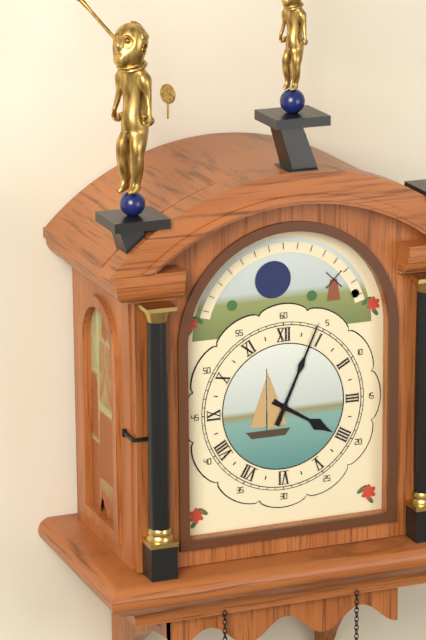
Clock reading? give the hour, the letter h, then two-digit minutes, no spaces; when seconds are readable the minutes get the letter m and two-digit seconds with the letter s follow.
4h04
